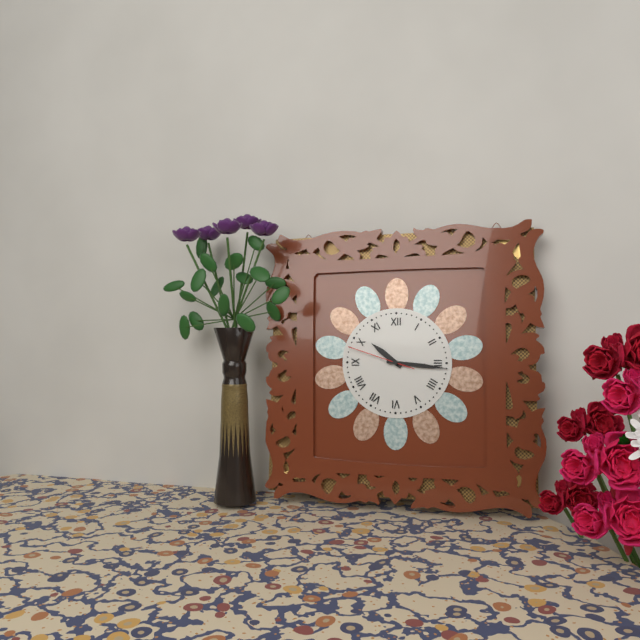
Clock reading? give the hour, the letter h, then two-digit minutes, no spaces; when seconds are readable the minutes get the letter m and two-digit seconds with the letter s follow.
10h16m48s
